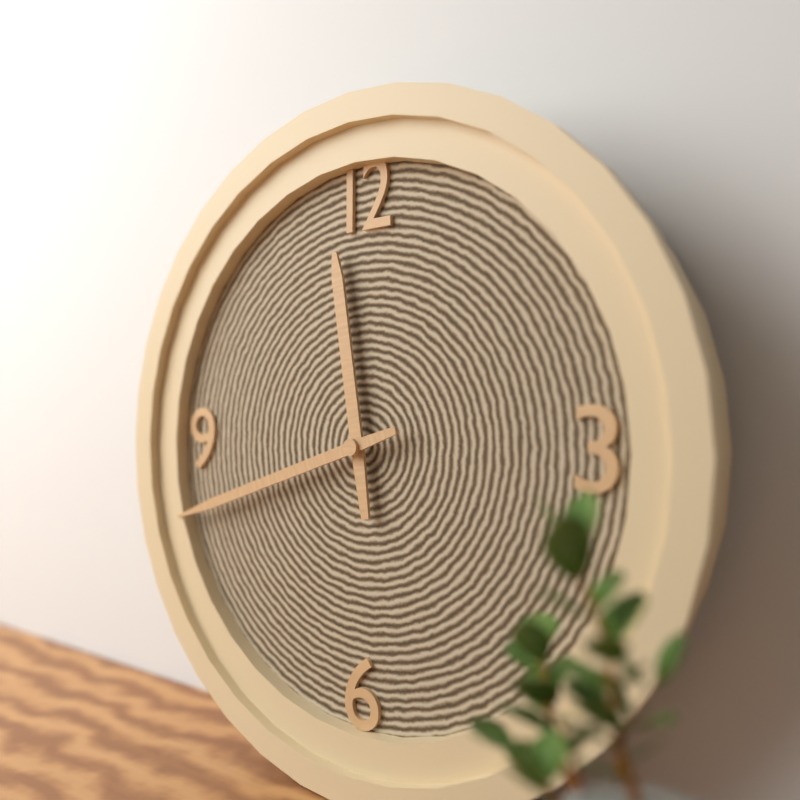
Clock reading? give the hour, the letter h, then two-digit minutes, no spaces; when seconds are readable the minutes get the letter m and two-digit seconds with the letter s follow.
11h42
